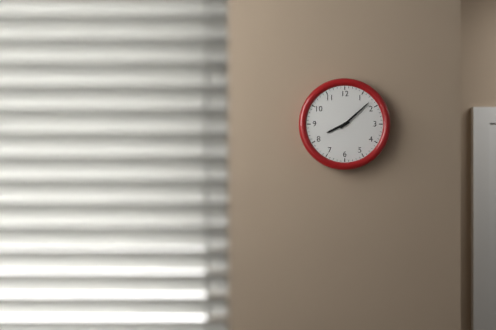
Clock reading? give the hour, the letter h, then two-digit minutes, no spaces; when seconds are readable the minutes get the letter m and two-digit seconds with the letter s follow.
8h08
